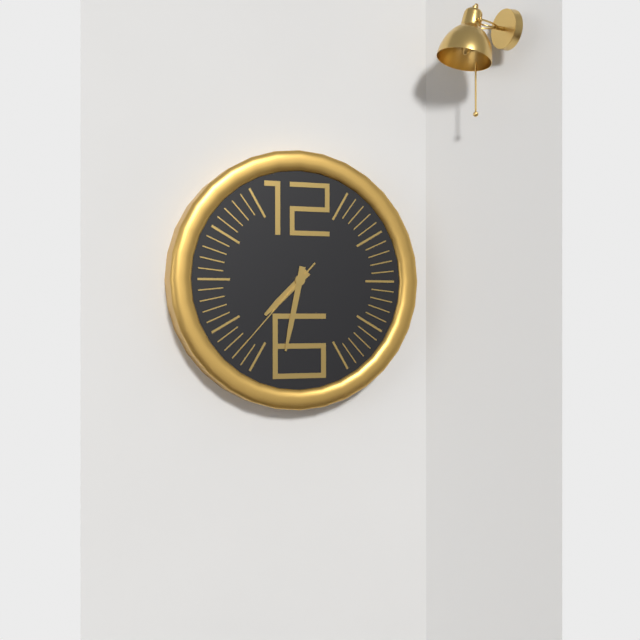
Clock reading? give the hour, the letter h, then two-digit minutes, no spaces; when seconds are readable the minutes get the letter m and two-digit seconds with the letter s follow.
7h32m37s
